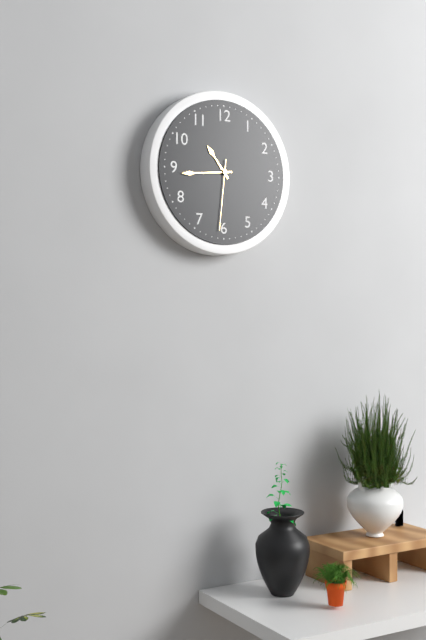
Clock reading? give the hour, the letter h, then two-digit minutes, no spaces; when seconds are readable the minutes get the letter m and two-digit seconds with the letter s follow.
10h44m31s
